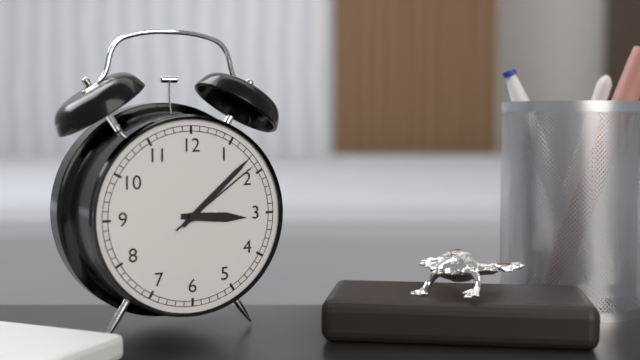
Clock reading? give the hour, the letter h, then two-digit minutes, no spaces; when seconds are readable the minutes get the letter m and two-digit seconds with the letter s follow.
3h08m09s
